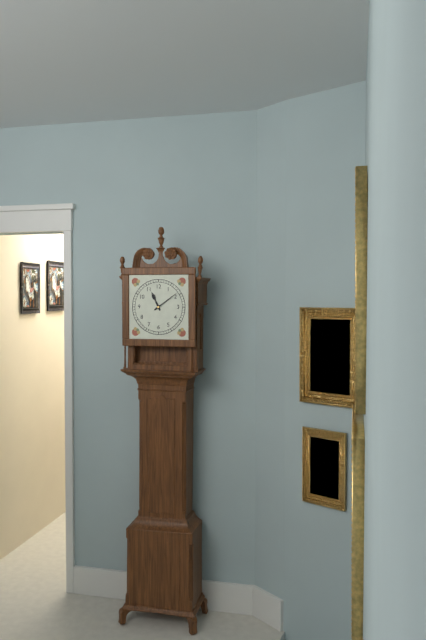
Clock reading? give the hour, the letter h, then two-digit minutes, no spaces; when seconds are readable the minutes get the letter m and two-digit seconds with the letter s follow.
11h09
